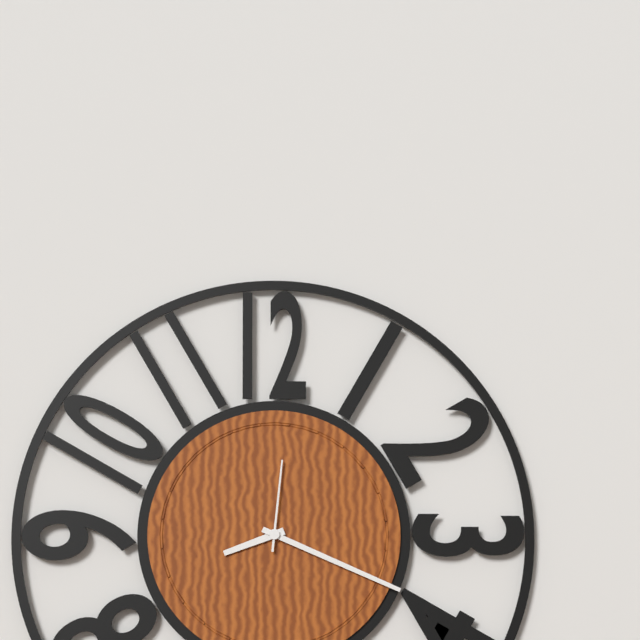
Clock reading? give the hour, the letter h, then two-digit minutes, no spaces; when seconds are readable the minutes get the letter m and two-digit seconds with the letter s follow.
8h19m01s
